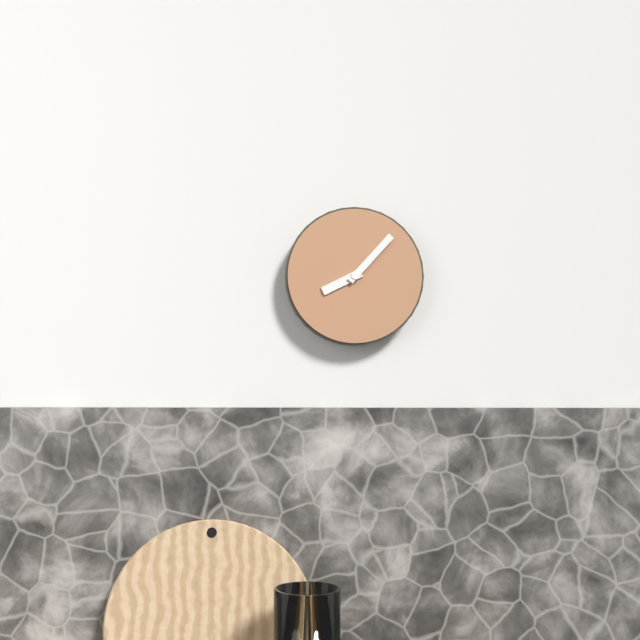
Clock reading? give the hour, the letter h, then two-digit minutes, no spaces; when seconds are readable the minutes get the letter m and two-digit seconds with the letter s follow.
8h07
